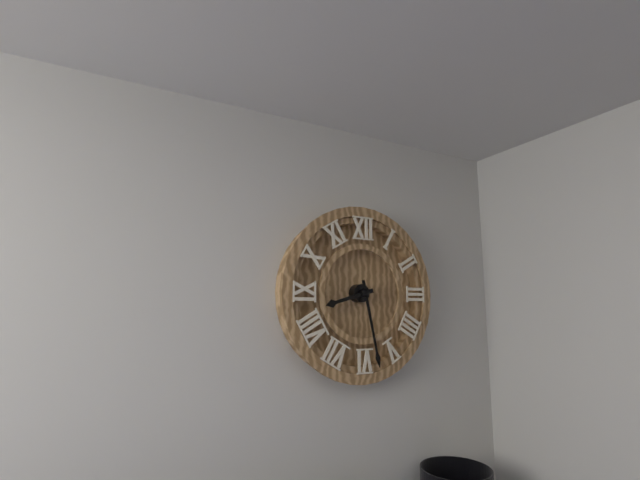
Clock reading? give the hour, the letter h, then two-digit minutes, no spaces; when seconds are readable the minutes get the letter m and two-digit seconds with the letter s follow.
8h28
